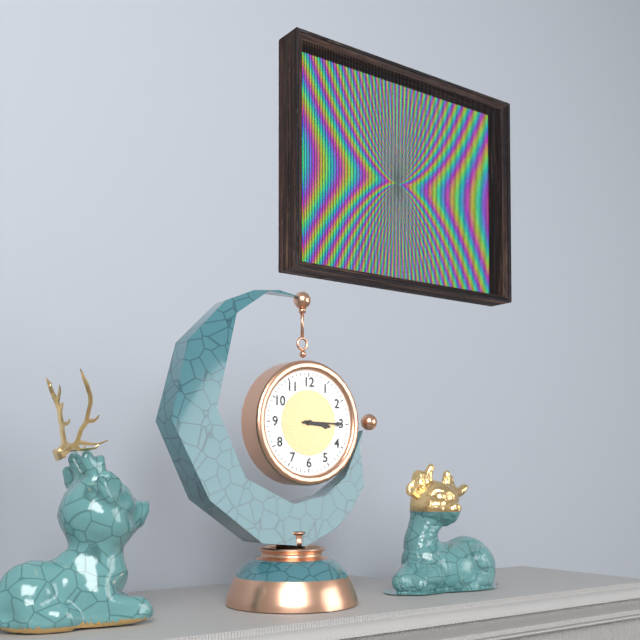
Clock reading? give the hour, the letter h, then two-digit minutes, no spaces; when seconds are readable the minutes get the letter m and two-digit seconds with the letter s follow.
3h15
